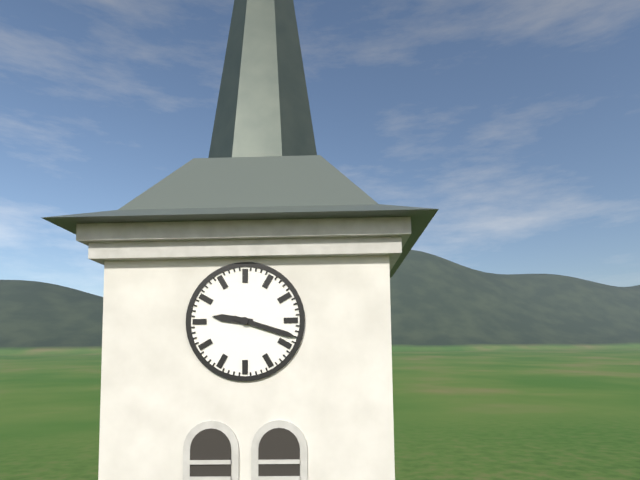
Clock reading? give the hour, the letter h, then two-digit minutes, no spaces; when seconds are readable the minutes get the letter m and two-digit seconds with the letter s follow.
9h18
